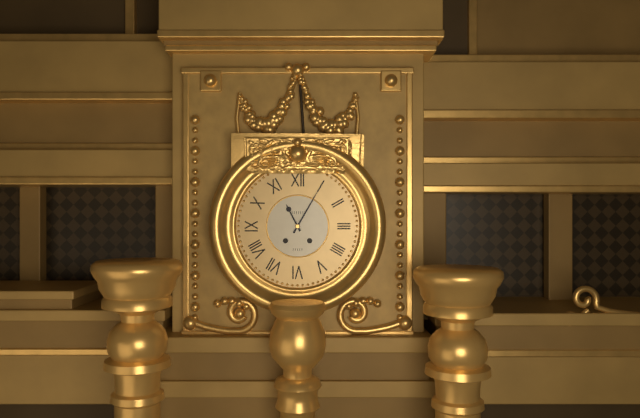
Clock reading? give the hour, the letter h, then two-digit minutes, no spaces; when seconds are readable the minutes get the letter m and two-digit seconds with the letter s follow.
11h05
